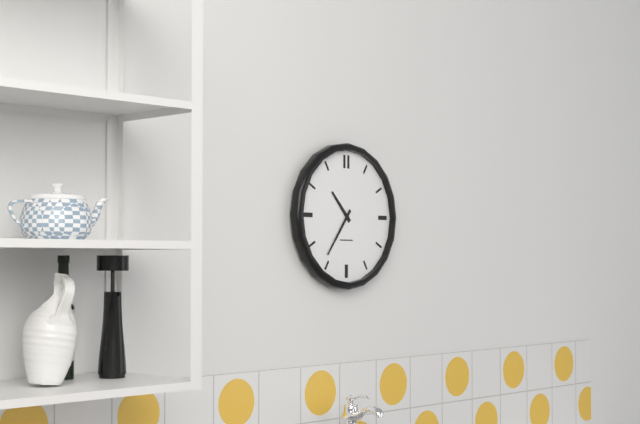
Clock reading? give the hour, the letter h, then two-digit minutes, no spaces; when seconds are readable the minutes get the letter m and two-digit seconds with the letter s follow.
10h36
